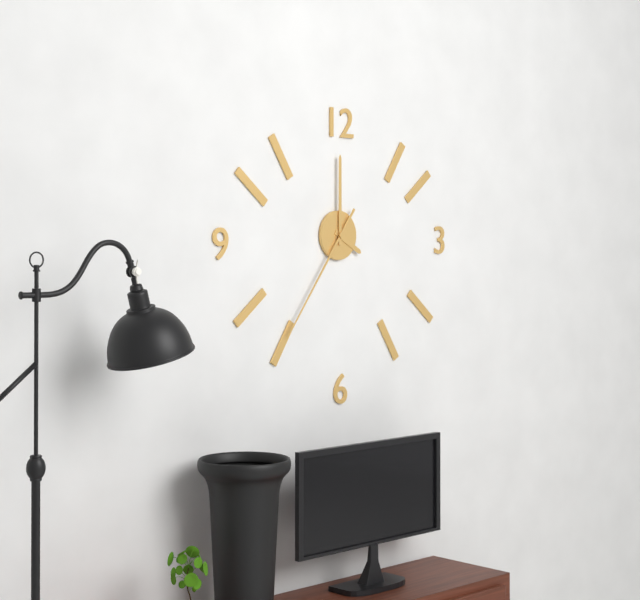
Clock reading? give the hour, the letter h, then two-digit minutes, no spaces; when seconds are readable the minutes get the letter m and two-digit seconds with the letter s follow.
4h00m36s
